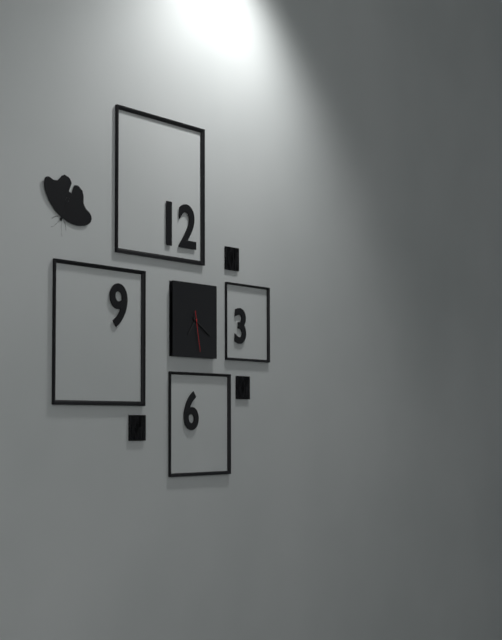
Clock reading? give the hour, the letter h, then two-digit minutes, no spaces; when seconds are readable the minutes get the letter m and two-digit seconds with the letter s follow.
7h20
